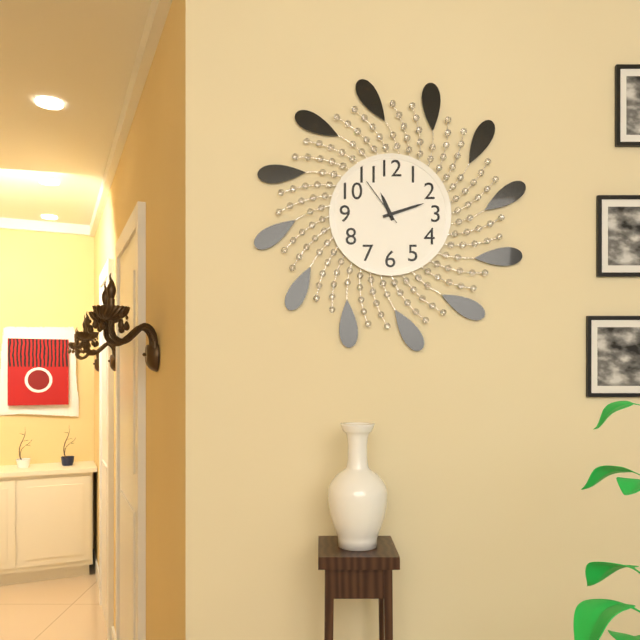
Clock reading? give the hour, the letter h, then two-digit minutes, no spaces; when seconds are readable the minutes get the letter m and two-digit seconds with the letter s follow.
11h12m54s
